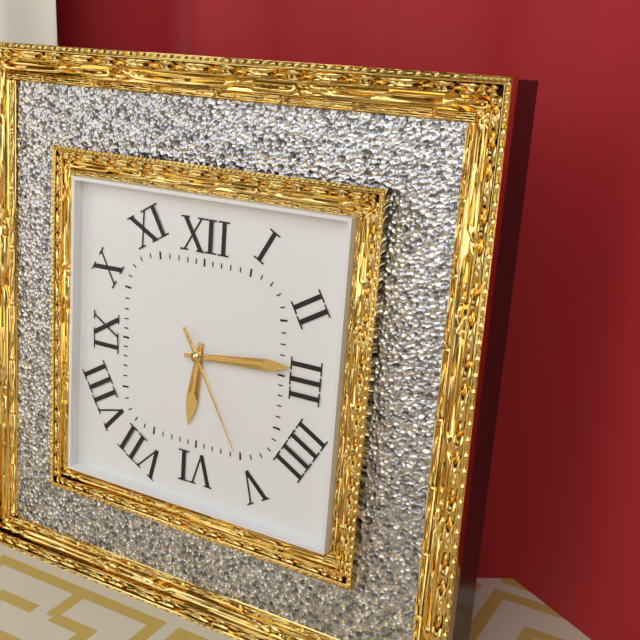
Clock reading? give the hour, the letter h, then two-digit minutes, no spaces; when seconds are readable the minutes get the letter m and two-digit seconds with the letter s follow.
6h14m25s
